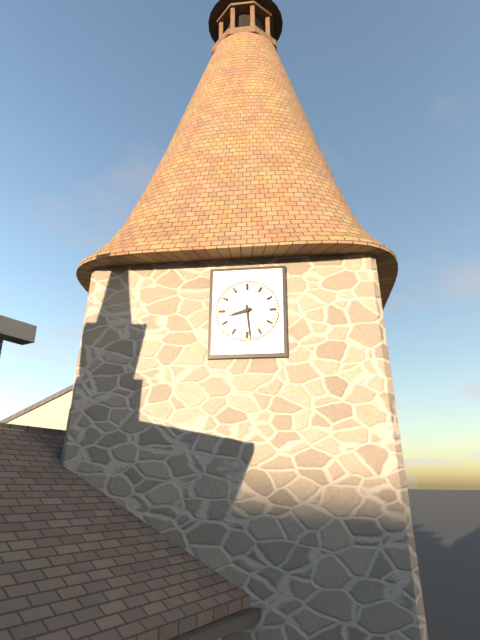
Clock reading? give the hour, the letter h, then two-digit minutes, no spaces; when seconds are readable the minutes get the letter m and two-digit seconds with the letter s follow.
8h29
